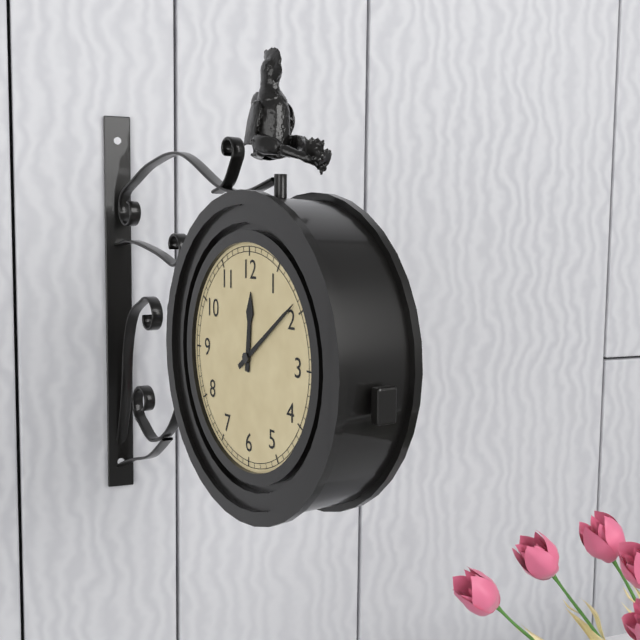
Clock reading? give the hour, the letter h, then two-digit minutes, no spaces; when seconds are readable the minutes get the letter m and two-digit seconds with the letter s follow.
12h09
